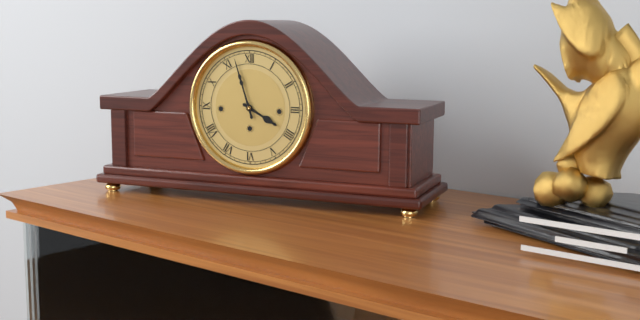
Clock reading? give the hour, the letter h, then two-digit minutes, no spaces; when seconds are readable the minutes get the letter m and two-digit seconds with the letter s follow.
3h57
